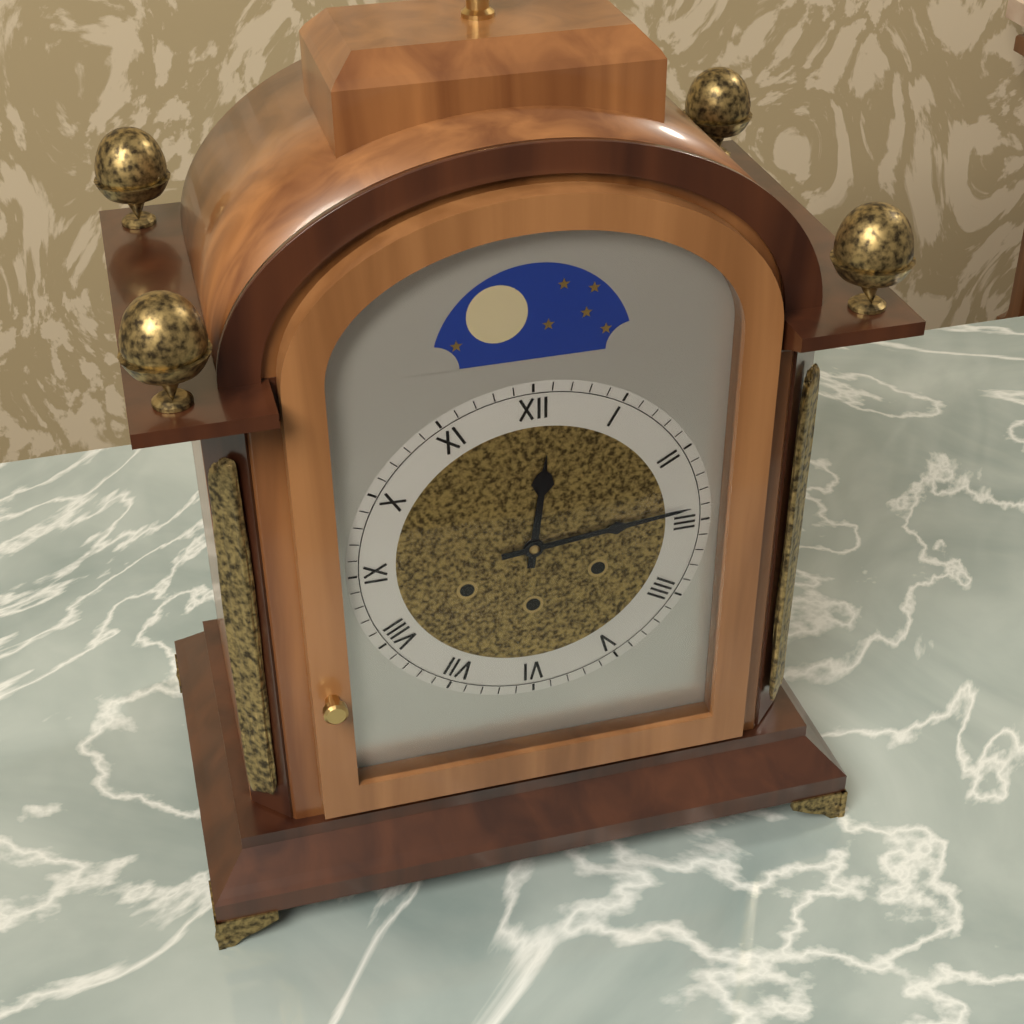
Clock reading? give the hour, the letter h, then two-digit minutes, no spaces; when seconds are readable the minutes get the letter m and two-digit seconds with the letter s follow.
12h14
